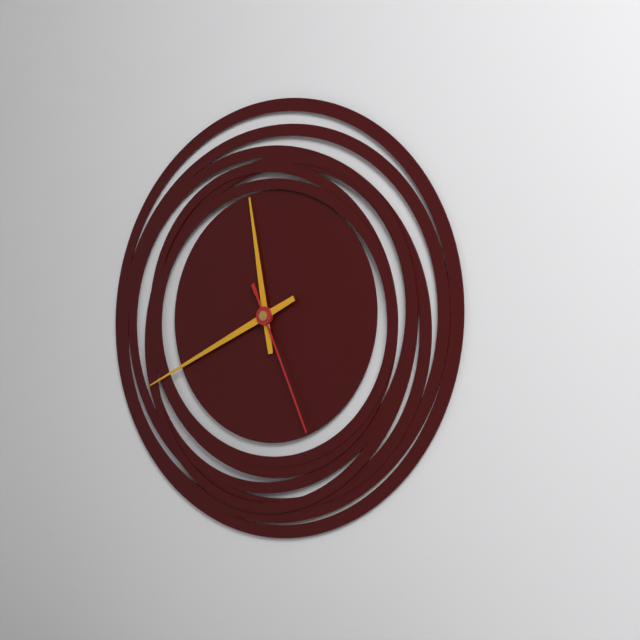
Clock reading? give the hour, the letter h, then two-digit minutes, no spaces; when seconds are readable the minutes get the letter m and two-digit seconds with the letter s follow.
11h41m26s
